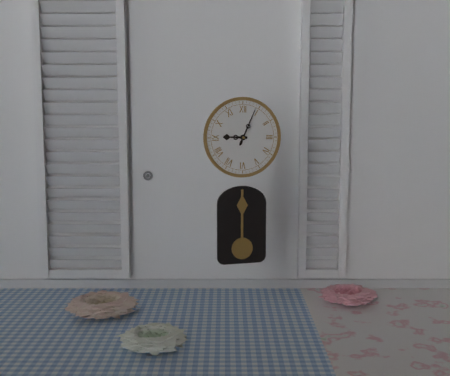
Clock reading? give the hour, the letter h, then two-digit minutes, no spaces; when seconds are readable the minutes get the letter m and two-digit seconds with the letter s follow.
9h04
